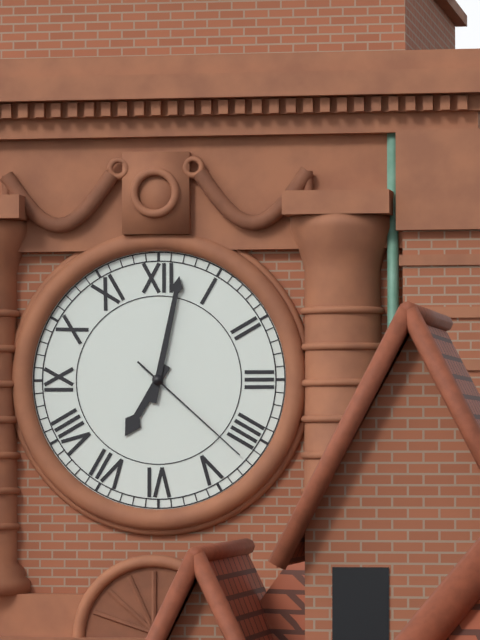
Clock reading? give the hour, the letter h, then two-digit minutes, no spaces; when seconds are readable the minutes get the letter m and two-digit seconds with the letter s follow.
7h02m22s
